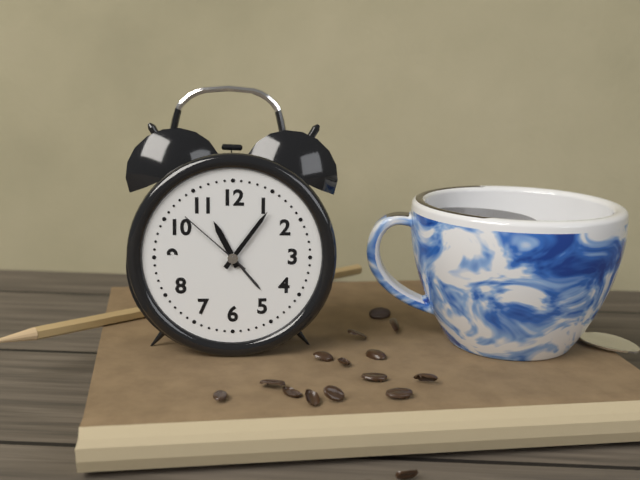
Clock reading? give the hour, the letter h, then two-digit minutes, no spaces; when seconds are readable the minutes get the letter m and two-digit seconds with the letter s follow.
11h06m52s
